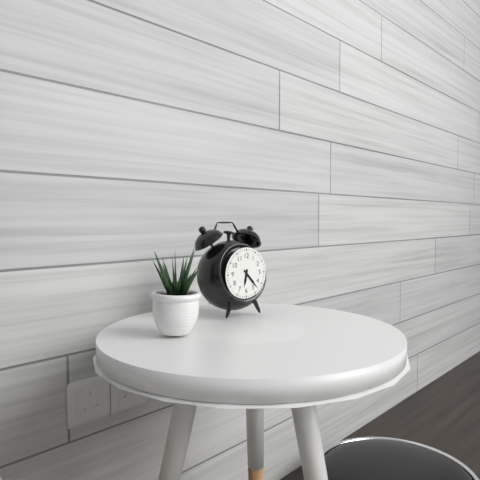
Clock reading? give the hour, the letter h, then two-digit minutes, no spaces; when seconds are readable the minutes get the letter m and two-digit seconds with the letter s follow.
6h23
